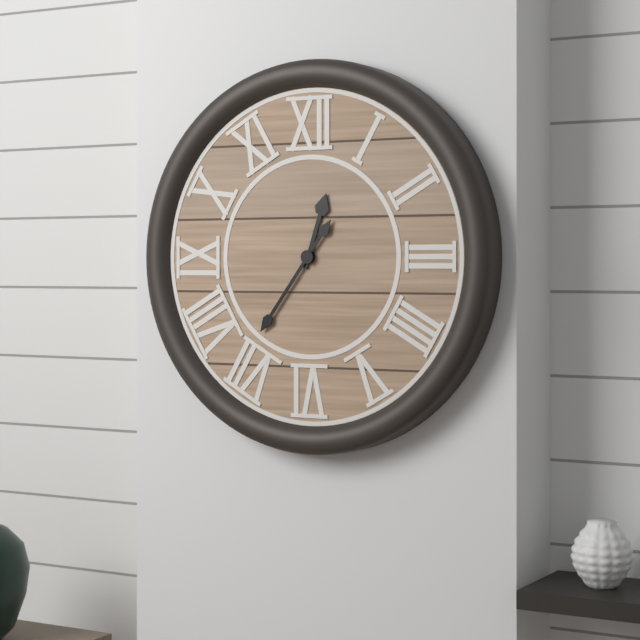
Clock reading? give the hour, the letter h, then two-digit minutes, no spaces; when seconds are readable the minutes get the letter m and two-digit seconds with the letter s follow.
12h36
